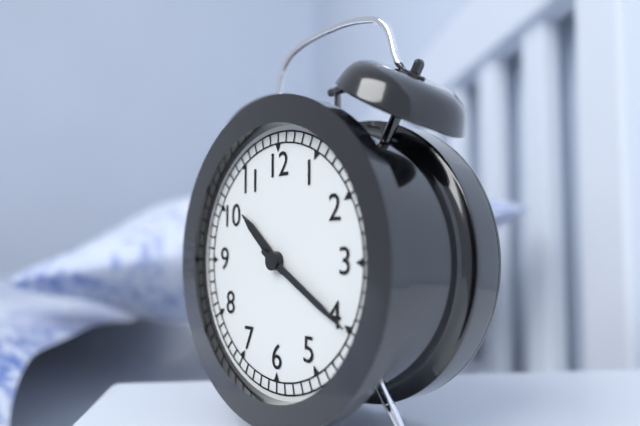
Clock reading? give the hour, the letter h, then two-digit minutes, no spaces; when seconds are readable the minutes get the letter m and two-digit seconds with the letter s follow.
10h20
